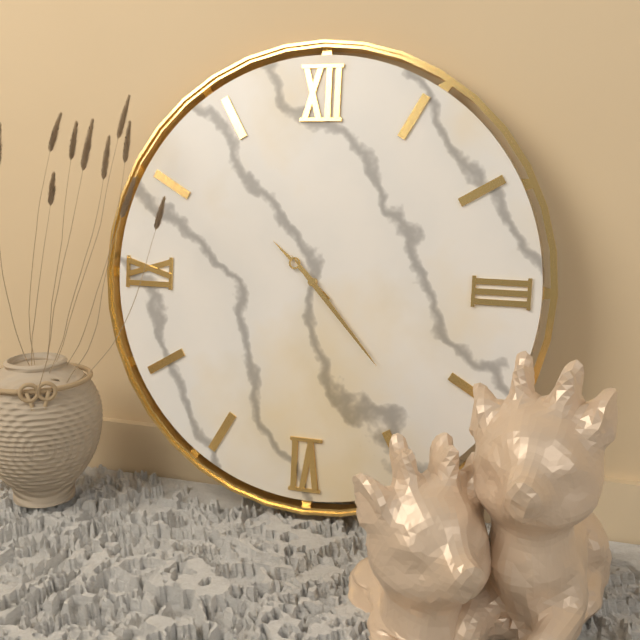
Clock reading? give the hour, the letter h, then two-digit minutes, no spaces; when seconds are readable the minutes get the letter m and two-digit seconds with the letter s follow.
10h23
